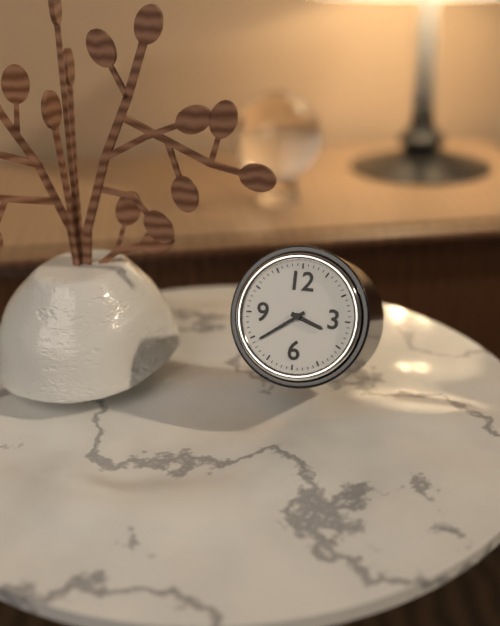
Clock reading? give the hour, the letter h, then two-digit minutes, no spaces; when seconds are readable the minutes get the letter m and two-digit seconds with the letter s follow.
3h39
